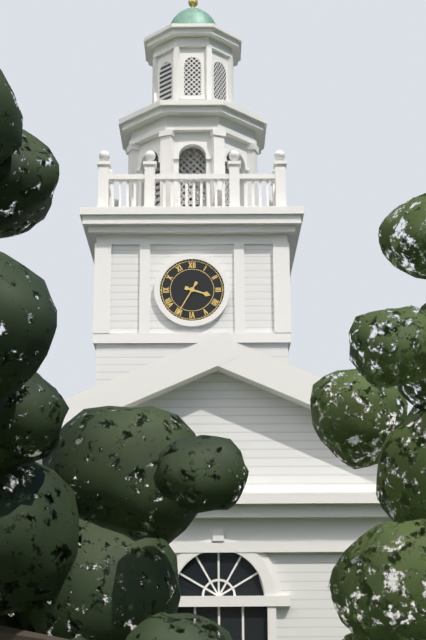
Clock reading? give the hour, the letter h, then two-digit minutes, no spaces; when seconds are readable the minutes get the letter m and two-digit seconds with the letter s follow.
3h35
